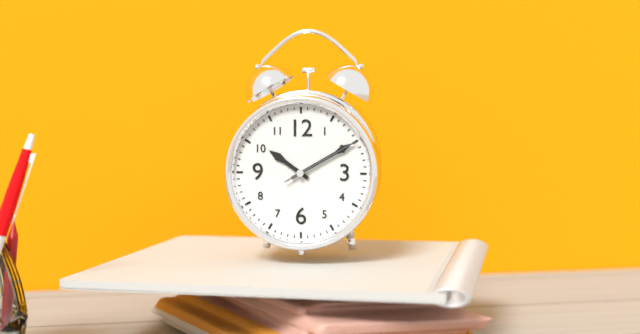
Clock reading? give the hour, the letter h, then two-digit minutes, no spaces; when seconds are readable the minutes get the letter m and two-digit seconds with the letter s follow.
10h10m10s
